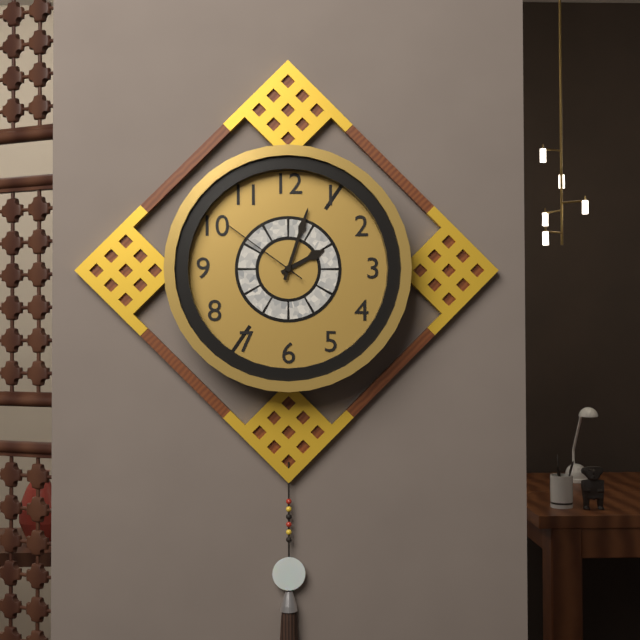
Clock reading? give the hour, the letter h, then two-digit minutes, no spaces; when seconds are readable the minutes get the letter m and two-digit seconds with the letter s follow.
2h03m51s
